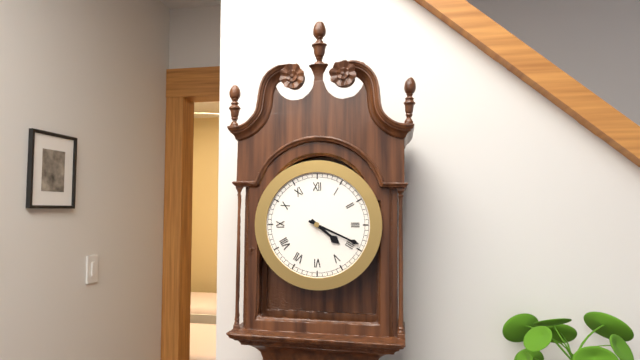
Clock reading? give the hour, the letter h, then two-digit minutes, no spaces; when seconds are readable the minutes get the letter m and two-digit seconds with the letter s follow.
4h19
